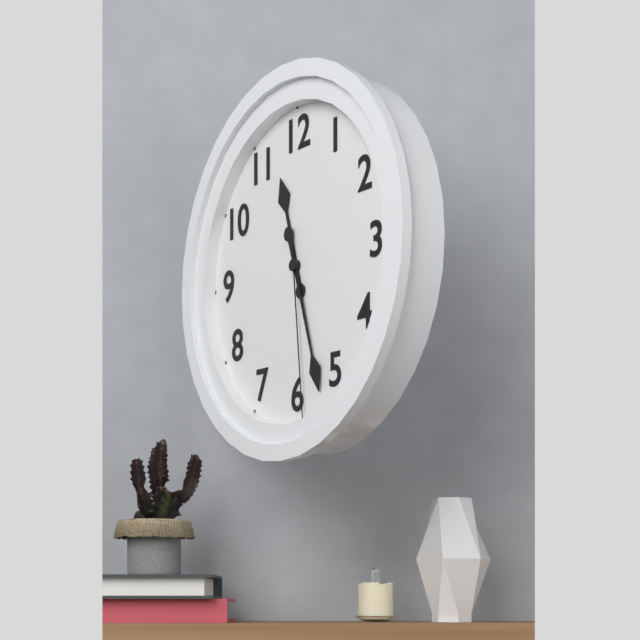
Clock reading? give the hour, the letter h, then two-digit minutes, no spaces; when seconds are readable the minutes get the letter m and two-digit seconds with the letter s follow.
11h27m29s
